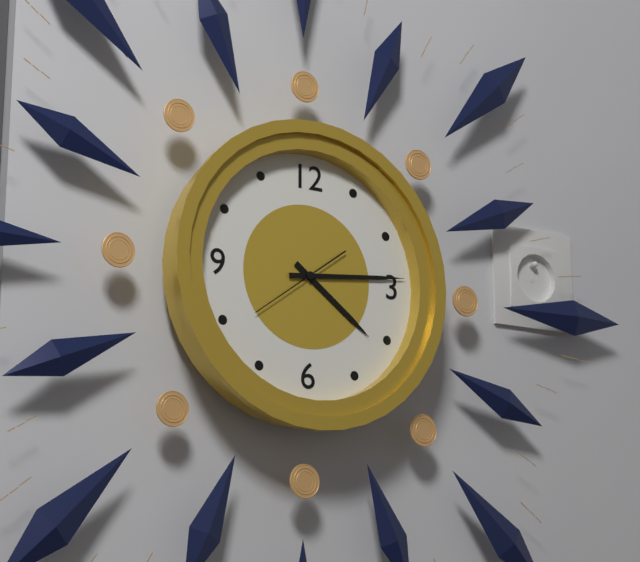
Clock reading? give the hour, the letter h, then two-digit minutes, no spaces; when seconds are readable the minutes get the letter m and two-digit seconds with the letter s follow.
4h14m39s
